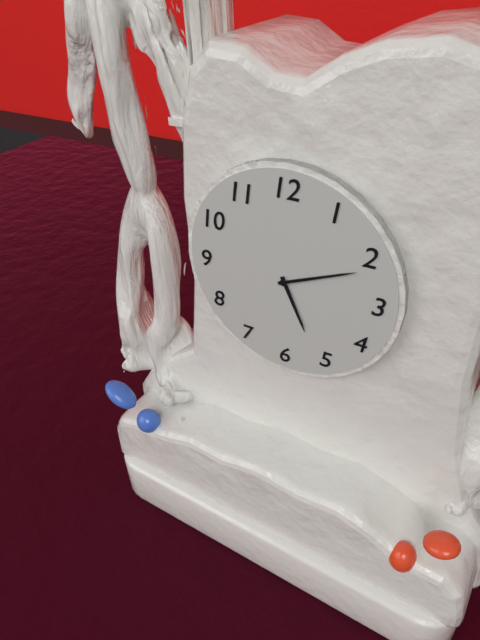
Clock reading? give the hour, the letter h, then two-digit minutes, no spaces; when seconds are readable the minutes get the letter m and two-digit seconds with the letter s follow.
5h11
